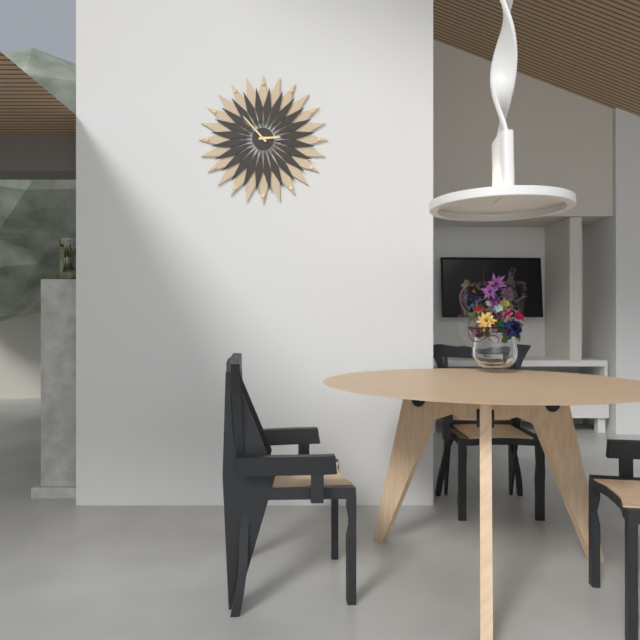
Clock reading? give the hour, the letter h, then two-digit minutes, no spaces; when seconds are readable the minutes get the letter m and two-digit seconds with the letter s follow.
2h53
